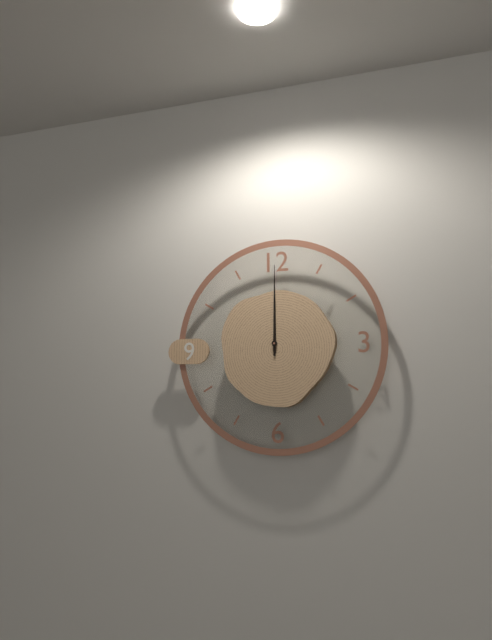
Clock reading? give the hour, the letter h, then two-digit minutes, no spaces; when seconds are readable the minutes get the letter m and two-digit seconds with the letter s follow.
12h00
